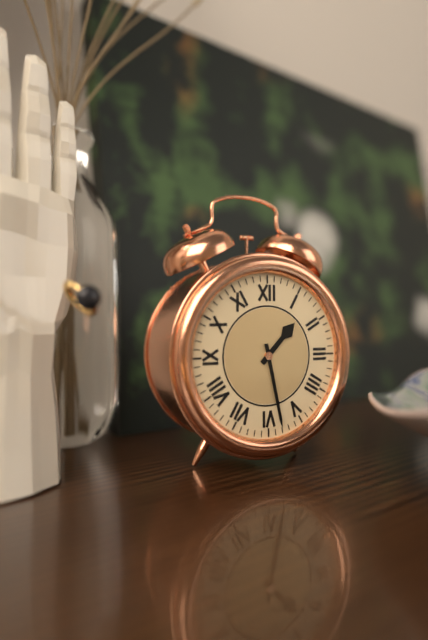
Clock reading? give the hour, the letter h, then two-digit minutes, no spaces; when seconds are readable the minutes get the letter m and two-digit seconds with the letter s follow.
1h28
